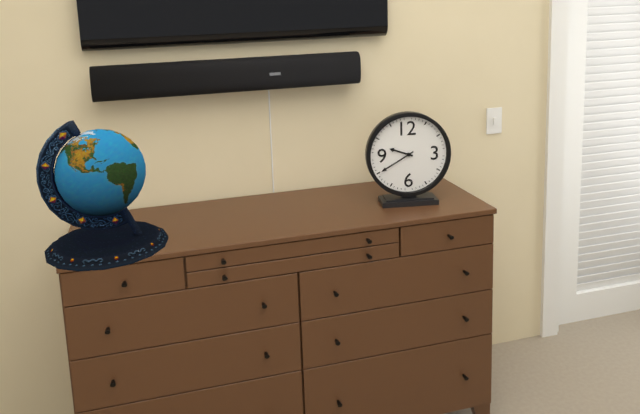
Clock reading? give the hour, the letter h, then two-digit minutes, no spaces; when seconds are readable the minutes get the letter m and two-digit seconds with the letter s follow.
9h40
